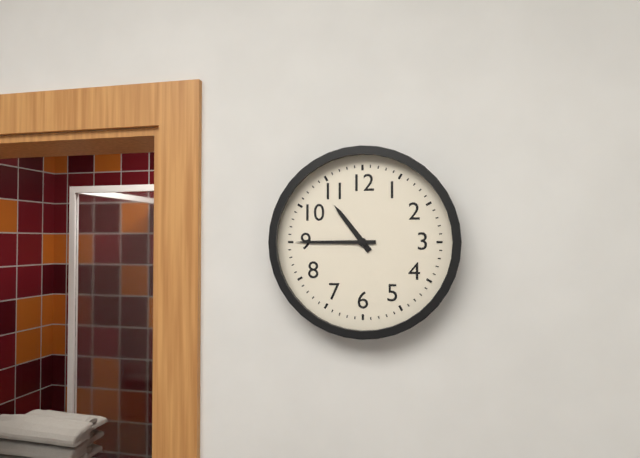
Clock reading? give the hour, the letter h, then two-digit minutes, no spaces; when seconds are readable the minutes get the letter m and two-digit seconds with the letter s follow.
10h45
